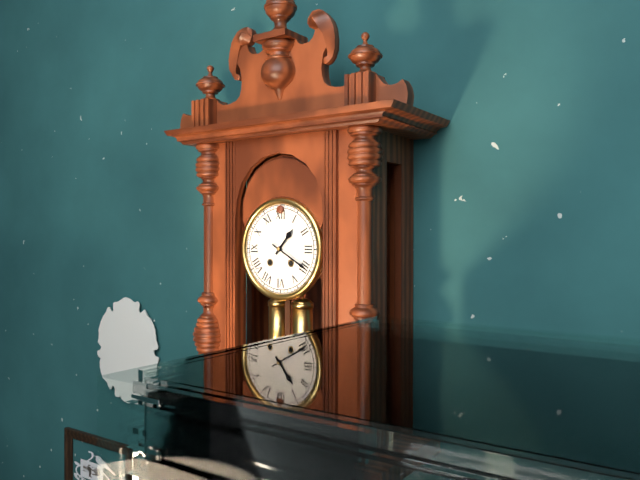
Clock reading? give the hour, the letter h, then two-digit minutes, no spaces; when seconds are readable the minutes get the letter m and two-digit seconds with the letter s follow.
1h20
